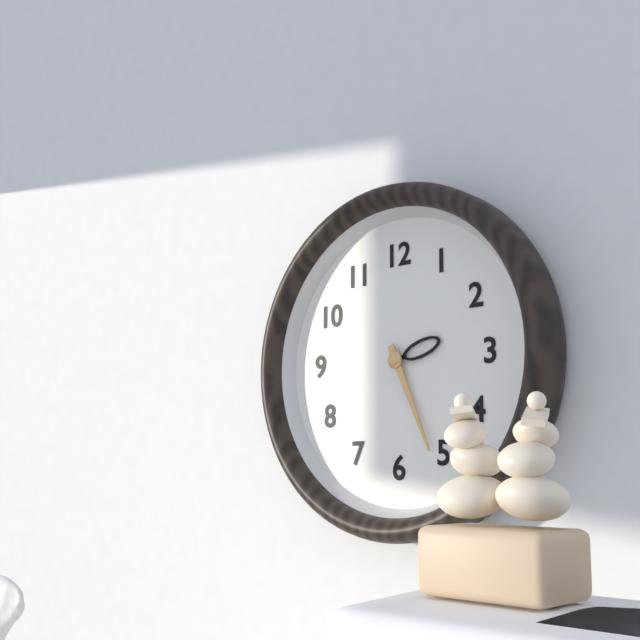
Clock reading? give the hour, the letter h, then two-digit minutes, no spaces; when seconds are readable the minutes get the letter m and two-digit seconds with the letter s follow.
2h26
